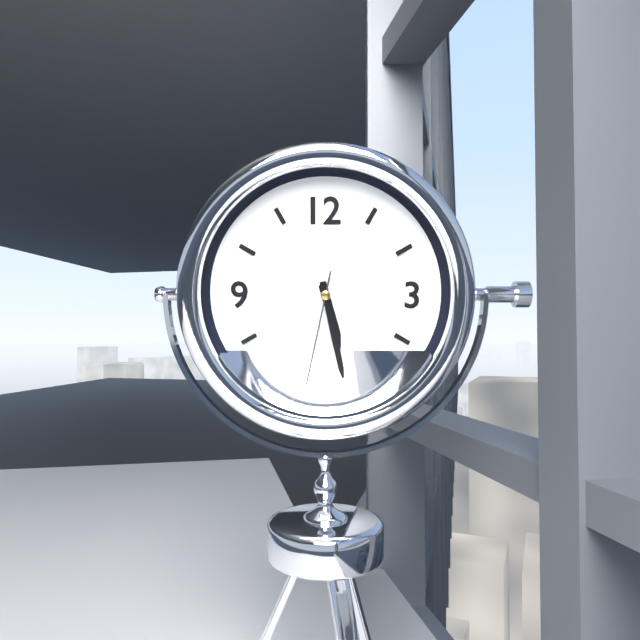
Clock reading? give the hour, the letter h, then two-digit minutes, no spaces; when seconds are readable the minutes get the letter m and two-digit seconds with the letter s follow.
5h28m32s
